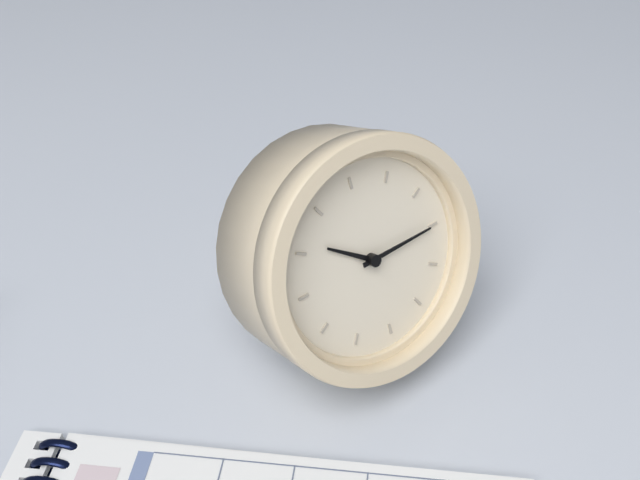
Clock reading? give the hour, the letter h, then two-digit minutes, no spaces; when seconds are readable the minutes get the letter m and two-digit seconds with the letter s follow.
10h15
